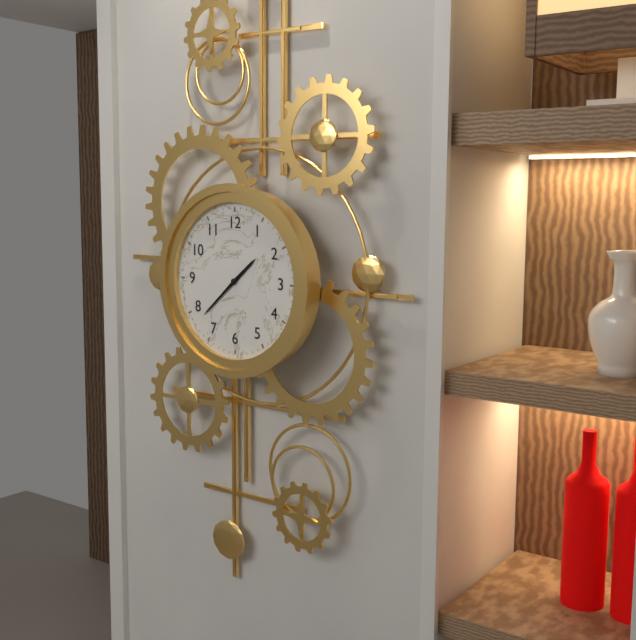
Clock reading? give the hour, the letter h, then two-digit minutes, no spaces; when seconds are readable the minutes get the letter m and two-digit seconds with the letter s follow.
1h38
